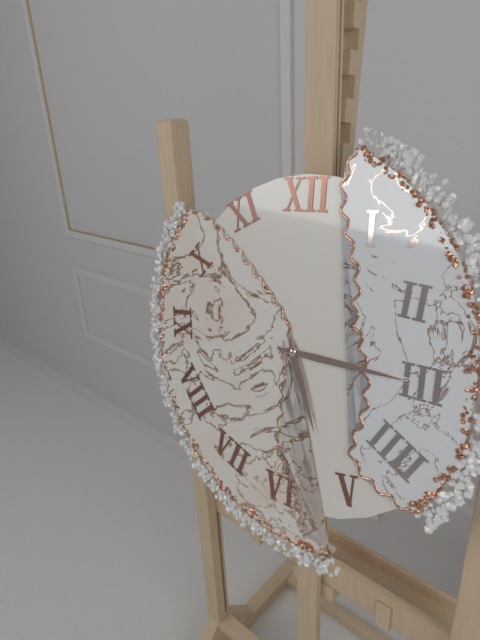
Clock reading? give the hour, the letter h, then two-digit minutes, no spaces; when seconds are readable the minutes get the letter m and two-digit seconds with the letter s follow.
5h15
